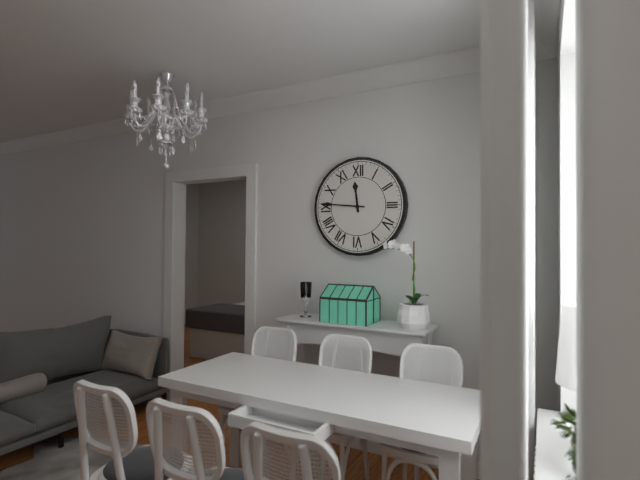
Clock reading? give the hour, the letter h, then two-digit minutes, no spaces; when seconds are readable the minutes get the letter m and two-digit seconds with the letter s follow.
11h46
